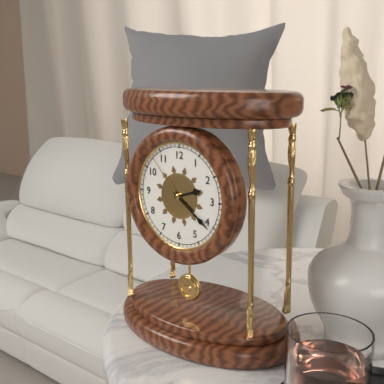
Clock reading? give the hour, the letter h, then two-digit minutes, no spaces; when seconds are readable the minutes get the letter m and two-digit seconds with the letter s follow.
2h21m53s
